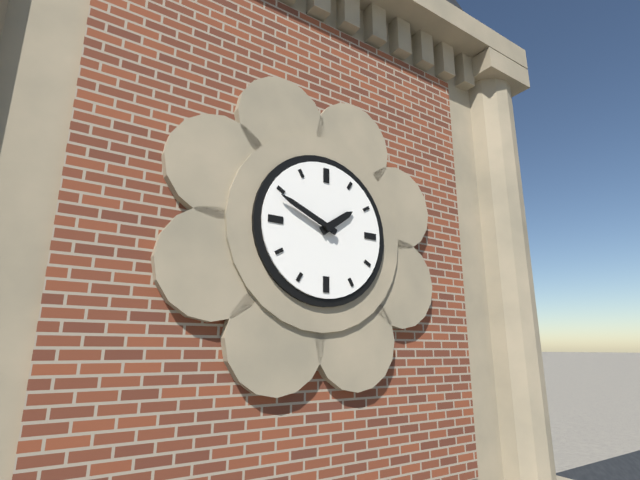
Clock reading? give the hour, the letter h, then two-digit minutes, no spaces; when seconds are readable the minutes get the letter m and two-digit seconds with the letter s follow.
1h49
